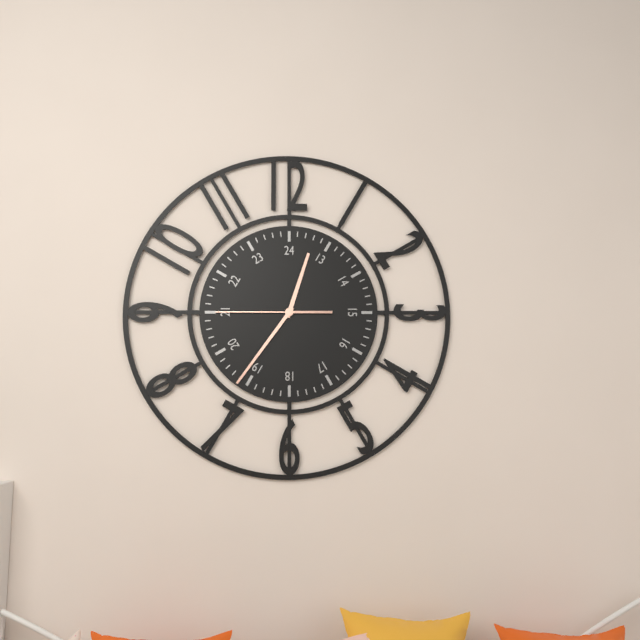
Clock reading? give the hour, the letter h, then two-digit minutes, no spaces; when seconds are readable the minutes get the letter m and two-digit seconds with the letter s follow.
12h36m45s
